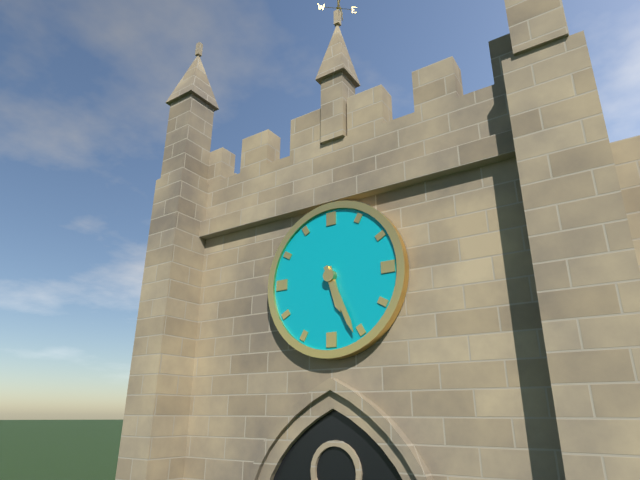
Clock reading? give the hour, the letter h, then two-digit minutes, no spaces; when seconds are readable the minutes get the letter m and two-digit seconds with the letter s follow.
5h26
